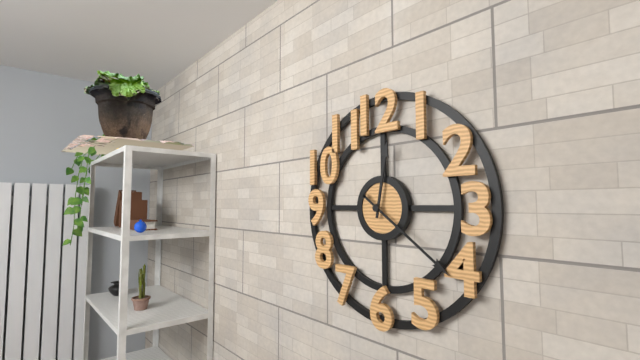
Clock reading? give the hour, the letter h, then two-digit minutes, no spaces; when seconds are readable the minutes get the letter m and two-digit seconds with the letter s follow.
12h21
